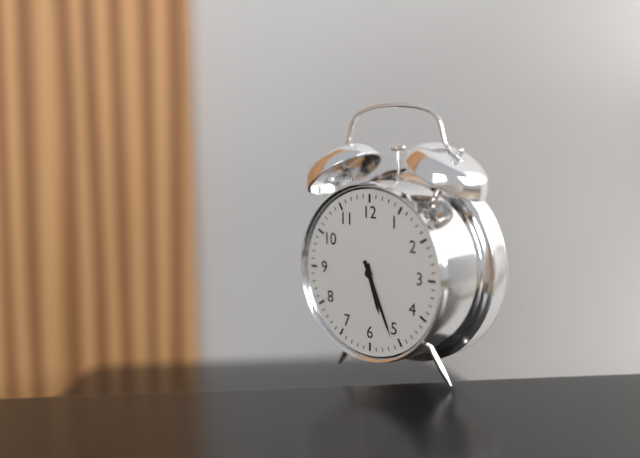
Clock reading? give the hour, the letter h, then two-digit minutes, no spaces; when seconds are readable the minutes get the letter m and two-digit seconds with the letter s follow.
5h26
